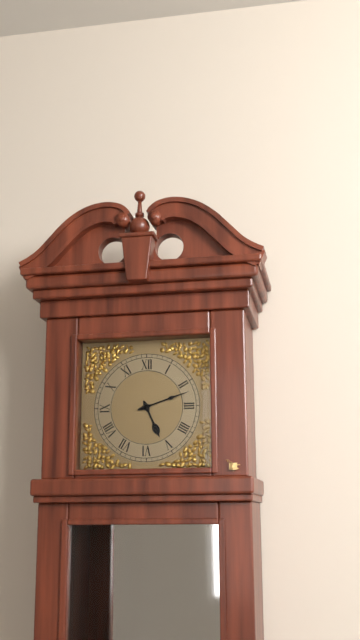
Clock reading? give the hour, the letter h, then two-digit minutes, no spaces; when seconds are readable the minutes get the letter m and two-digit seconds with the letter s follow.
5h12
